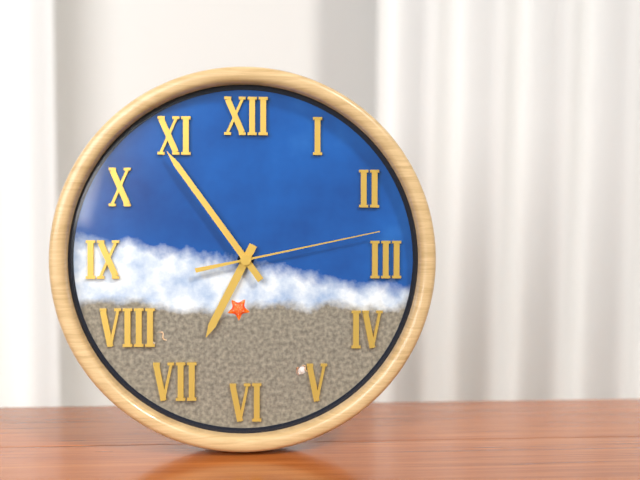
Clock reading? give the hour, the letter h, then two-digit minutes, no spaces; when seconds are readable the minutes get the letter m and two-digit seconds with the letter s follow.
6h54m13s
